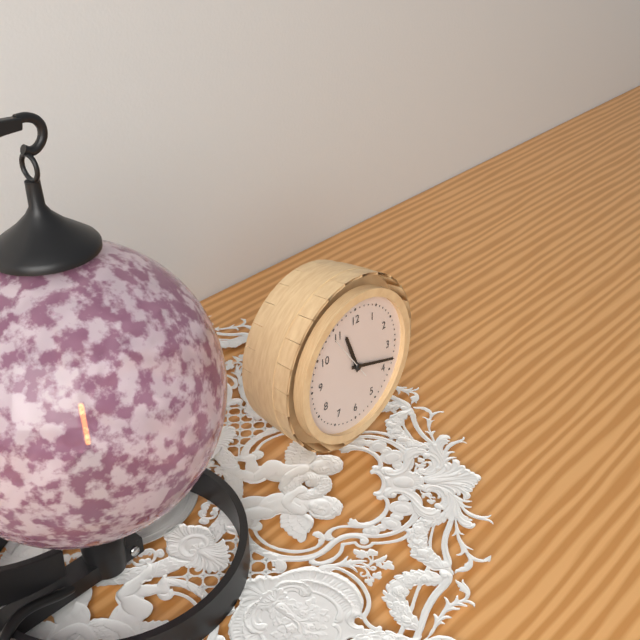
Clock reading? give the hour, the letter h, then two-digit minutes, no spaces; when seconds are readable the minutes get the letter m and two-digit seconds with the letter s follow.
11h18
